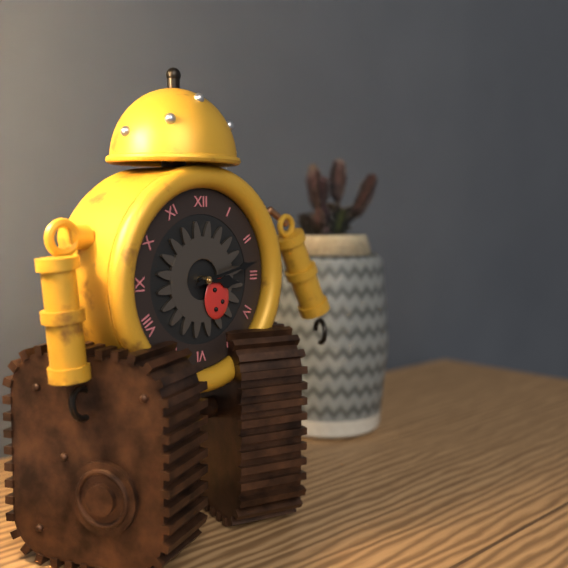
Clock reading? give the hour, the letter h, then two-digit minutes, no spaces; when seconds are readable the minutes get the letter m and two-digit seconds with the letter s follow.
3h13
